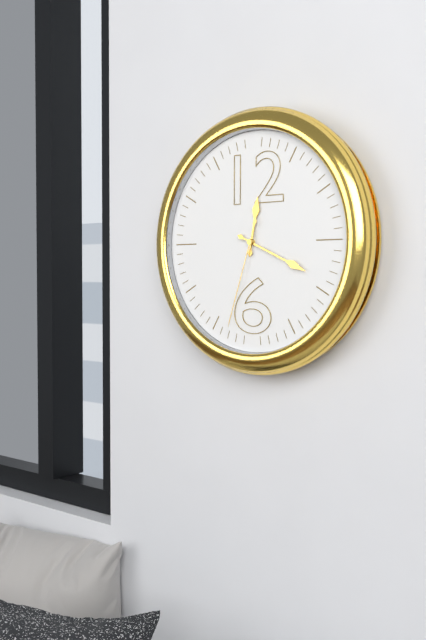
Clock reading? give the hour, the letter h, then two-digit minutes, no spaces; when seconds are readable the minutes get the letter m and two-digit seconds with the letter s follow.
12h19m33s
